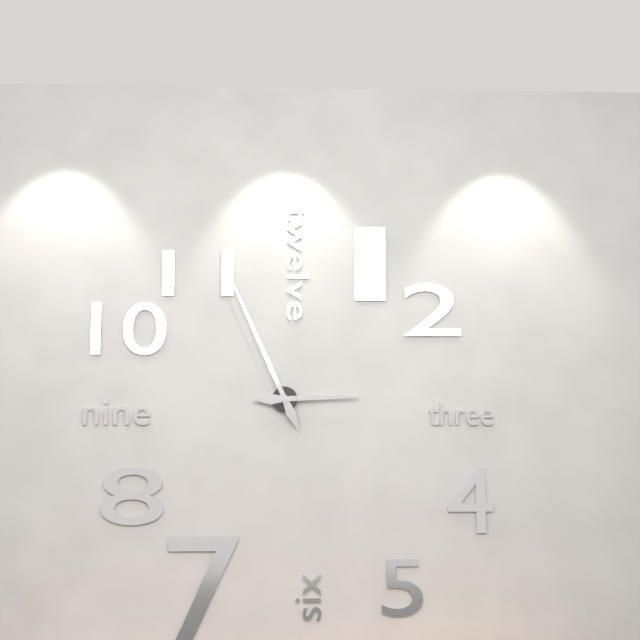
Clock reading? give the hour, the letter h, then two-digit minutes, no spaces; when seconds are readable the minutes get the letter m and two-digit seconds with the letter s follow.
2h56
